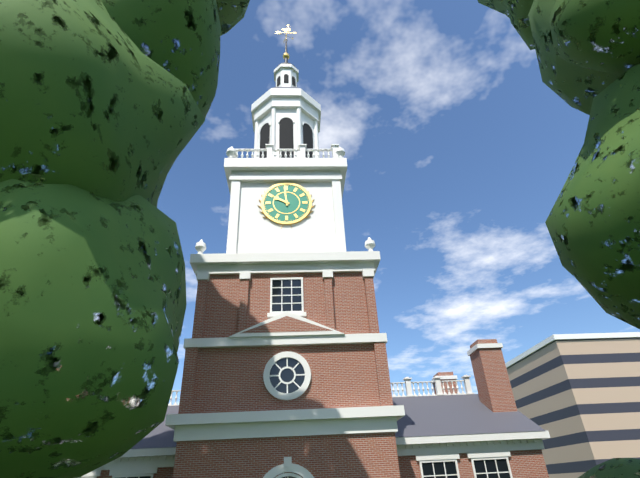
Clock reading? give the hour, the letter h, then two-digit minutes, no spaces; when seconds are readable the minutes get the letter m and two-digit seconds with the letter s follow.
9h59
